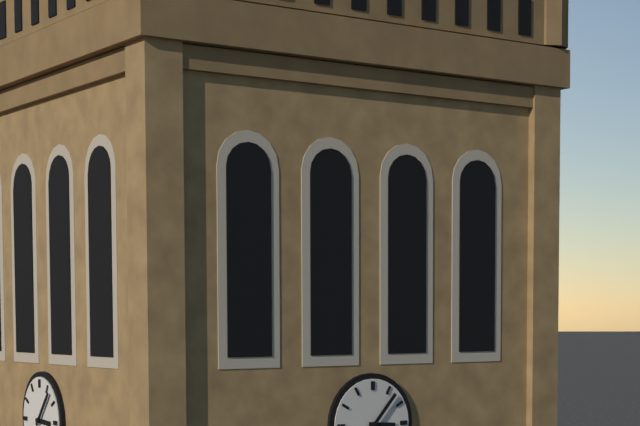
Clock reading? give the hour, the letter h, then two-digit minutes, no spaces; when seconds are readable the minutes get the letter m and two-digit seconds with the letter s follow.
3h07
